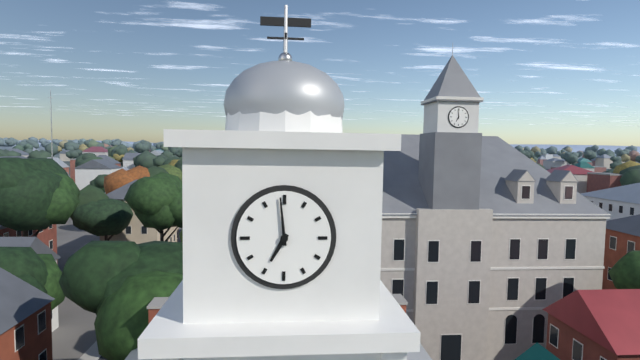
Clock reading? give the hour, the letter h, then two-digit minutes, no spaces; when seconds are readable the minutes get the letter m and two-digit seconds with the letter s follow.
6h59
